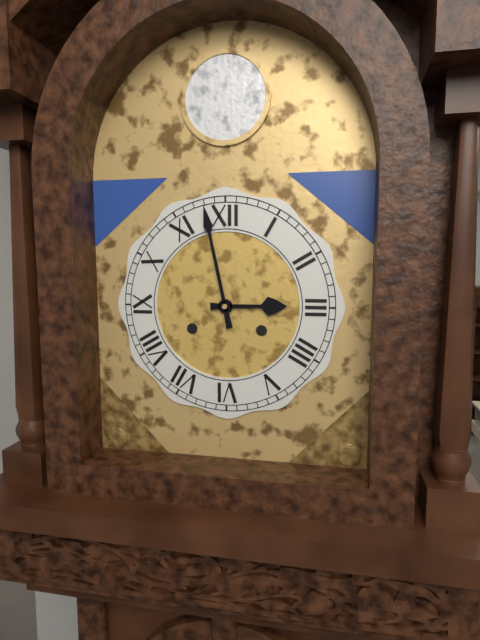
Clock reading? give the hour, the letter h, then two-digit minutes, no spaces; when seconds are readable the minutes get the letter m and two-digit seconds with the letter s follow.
2h58
